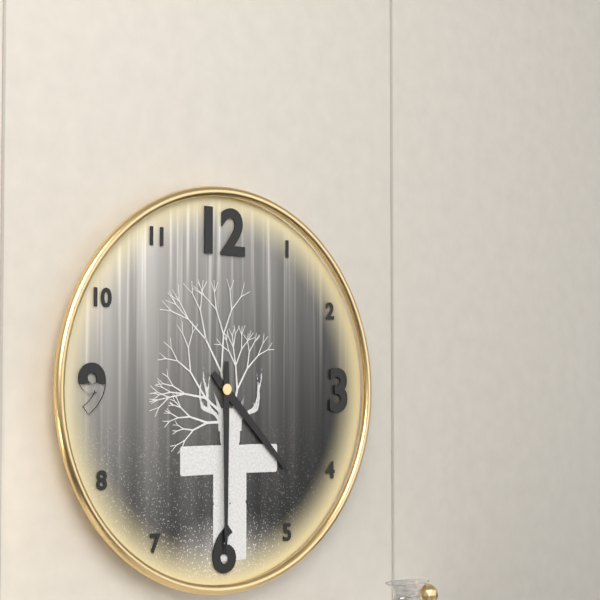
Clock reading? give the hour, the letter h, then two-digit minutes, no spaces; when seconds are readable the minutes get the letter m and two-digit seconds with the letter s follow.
4h30
